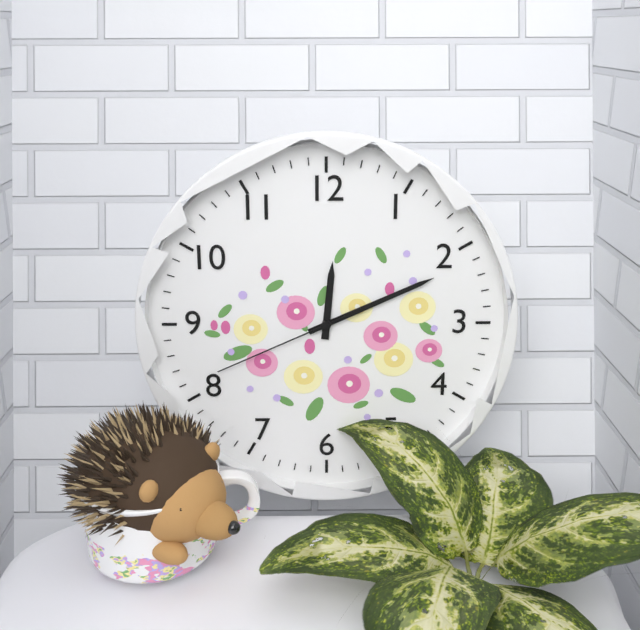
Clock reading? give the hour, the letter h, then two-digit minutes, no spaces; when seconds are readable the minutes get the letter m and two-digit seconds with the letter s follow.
12h11m41s
